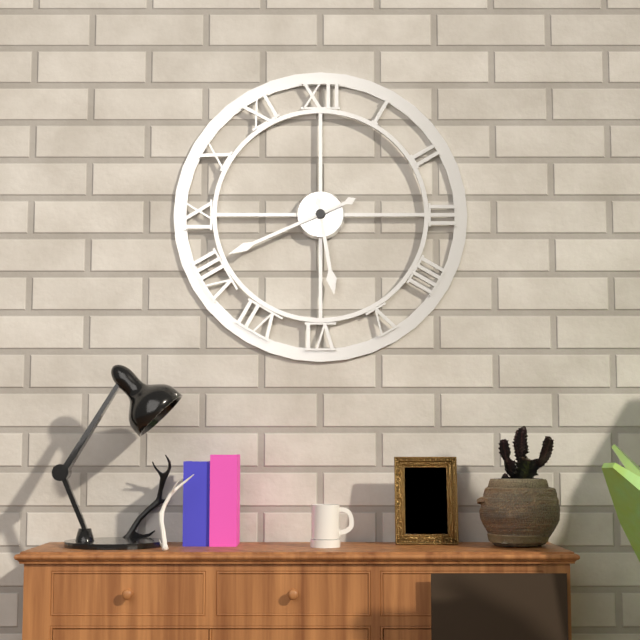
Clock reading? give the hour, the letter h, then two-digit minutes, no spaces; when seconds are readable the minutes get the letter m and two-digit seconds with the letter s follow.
5h41
